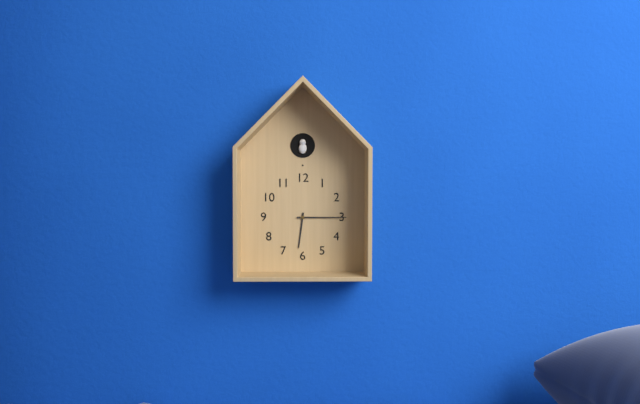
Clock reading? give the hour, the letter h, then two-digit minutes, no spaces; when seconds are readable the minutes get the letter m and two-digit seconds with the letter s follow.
6h15
